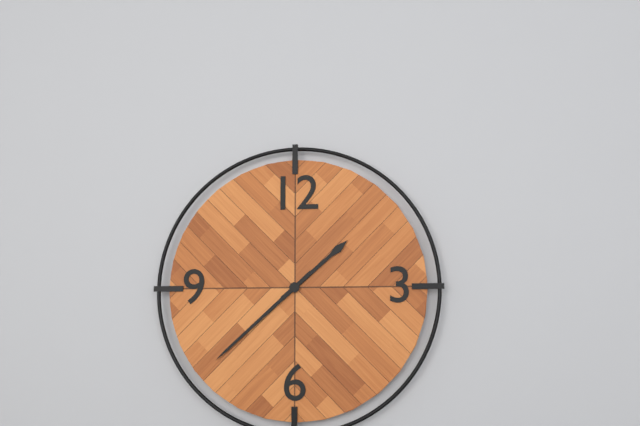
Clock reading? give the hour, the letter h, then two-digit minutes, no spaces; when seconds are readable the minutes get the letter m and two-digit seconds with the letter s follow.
1h38
